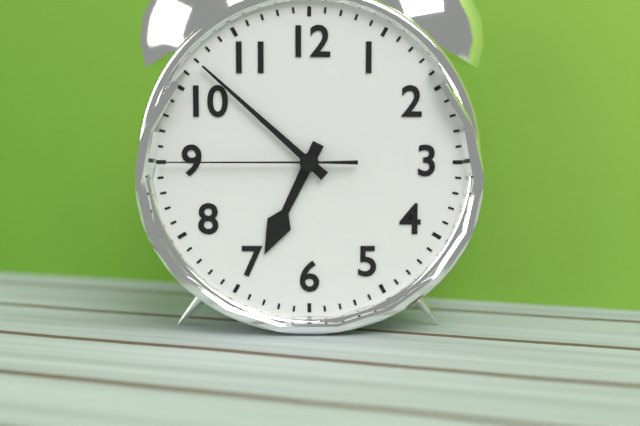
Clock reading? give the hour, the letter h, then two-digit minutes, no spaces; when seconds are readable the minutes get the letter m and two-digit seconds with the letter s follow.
6h52m45s
